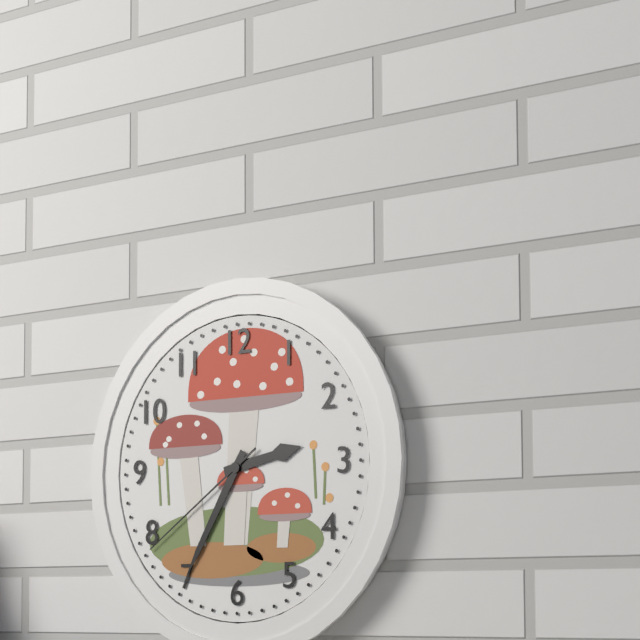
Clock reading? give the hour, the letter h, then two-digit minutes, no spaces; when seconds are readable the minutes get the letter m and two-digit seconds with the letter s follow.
2h35m39s
